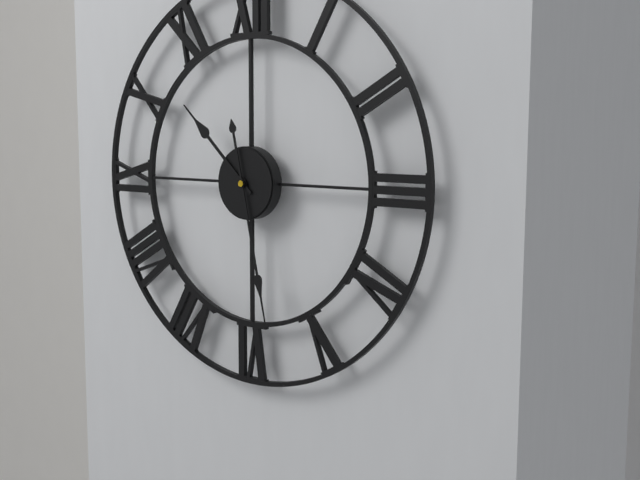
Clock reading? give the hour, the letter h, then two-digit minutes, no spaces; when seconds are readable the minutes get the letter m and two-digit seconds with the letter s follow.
10h28
